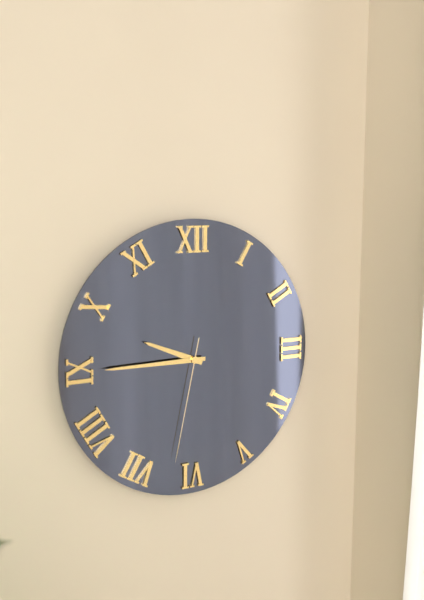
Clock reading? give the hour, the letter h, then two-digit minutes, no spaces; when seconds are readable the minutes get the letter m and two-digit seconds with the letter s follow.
9h45m32s
